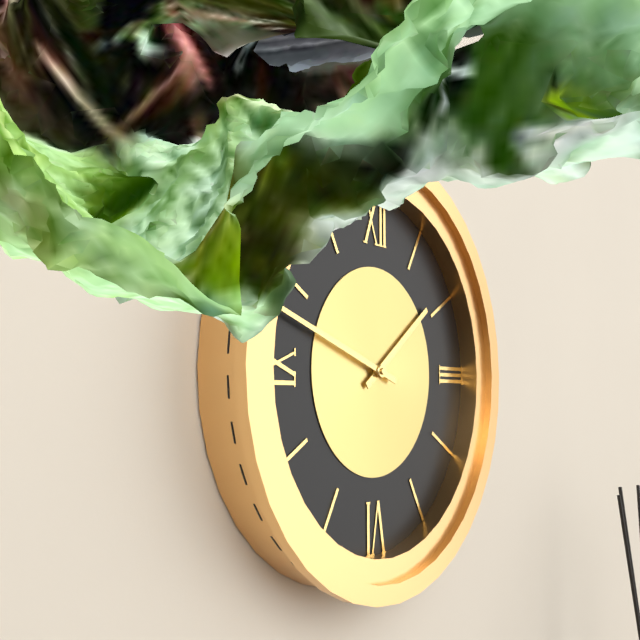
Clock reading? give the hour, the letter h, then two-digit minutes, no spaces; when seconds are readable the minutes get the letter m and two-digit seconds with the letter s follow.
1h48
